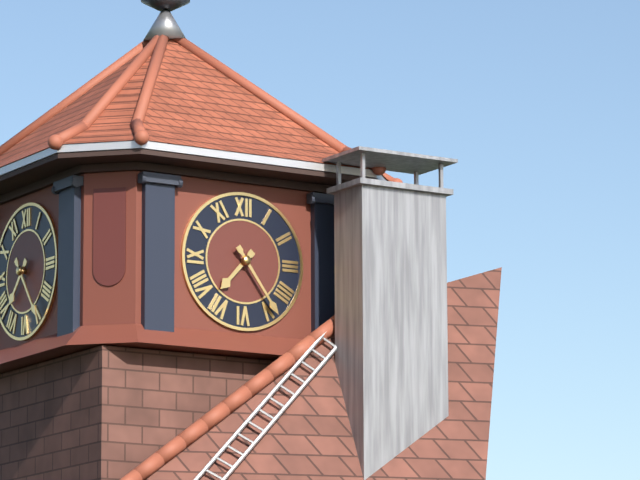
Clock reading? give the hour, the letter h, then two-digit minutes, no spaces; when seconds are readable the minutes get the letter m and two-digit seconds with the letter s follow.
7h24
